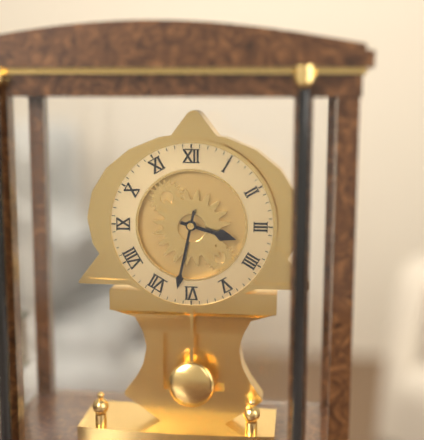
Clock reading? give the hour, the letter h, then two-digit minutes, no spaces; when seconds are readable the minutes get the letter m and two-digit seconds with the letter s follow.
3h32
